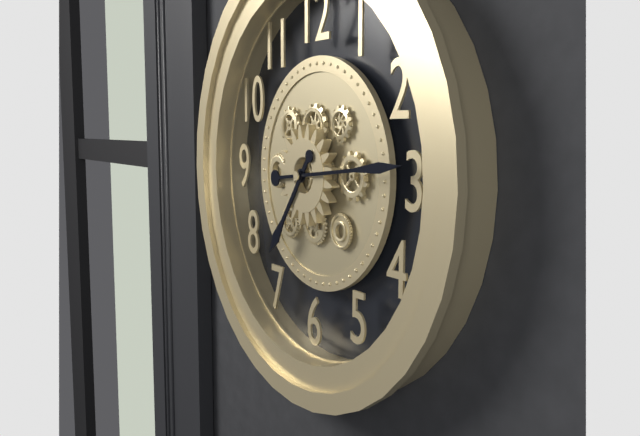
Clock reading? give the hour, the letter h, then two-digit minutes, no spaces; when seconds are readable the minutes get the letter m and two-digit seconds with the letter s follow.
7h14
